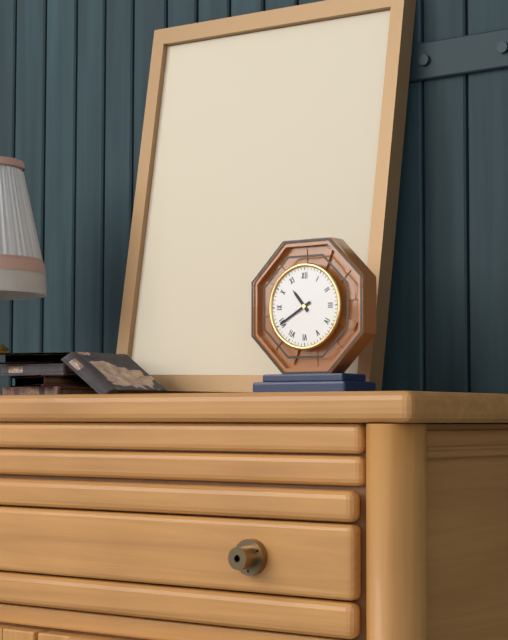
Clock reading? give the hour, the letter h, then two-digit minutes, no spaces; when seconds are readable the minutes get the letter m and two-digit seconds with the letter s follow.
10h40
